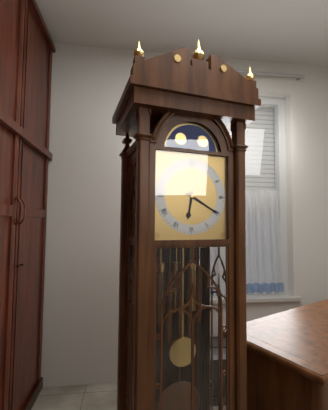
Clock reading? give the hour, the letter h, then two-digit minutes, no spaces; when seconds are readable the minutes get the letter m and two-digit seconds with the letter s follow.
6h20
